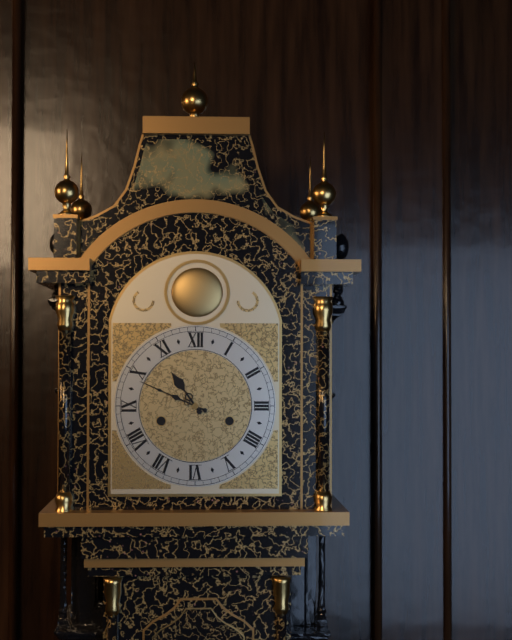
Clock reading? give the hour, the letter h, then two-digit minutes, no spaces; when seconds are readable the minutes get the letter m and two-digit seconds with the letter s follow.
10h49
